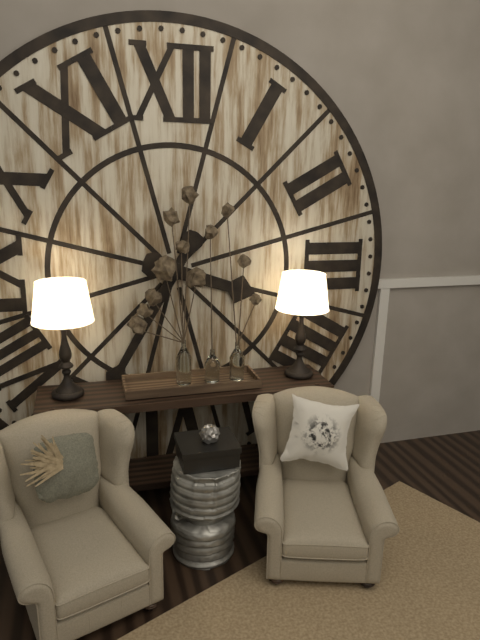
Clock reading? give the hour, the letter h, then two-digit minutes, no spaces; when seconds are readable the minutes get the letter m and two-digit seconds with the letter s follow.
3h35
